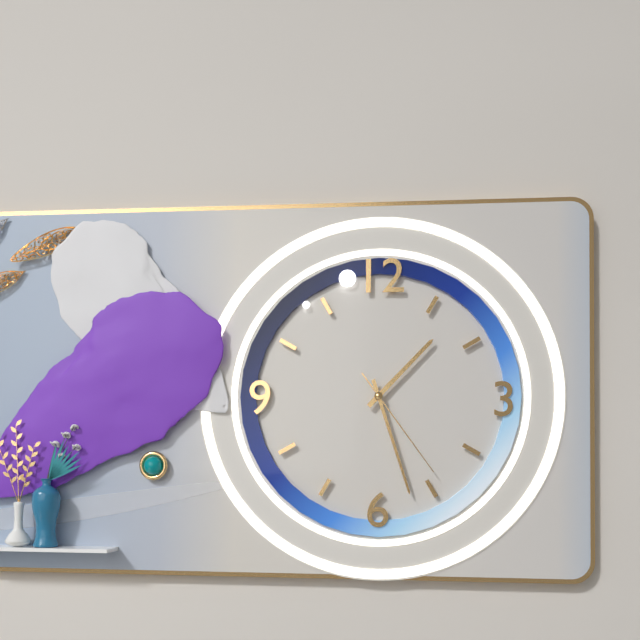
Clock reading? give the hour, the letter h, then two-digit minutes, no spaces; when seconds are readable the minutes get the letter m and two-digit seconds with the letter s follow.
1h27m24s
